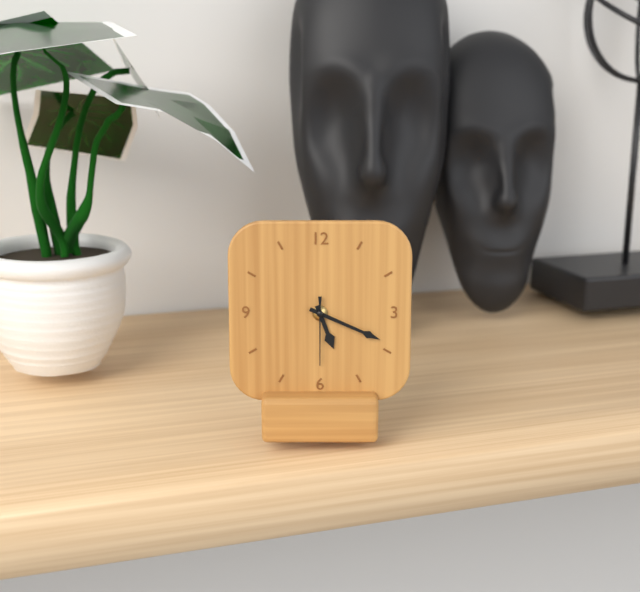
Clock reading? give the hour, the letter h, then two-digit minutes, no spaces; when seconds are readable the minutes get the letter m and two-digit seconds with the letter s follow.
5h19m30s
